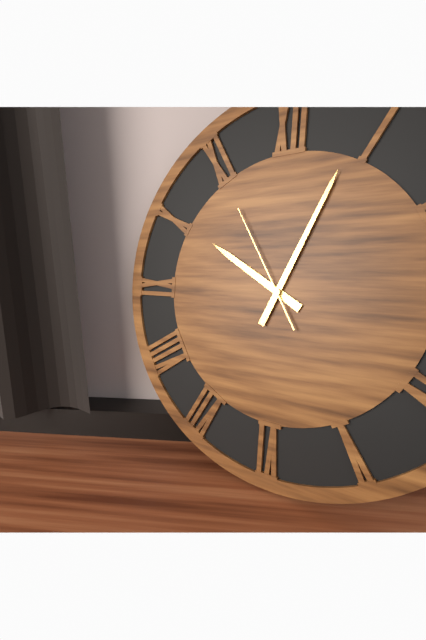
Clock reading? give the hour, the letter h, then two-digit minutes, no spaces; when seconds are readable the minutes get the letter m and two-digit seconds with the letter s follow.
10h04m55s
